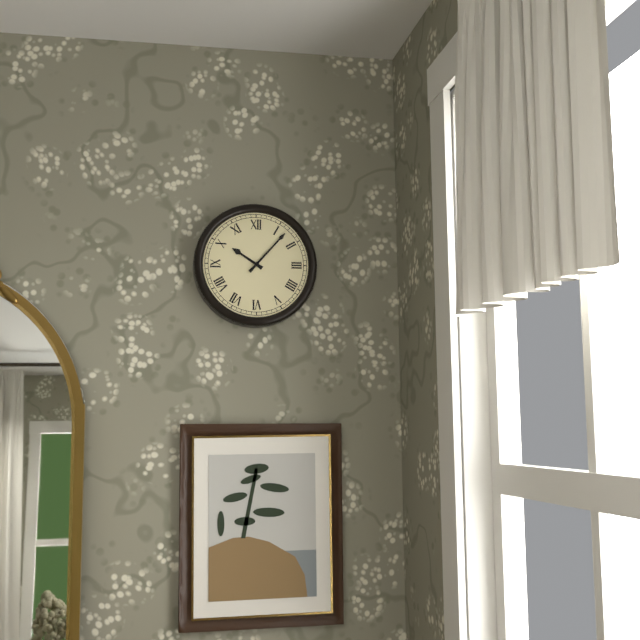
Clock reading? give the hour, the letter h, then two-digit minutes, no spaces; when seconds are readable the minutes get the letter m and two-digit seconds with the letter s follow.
10h07
